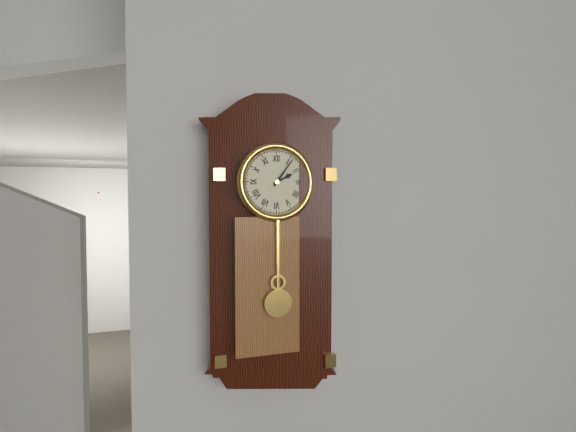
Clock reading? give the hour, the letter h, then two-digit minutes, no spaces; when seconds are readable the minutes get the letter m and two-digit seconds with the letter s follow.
2h06
